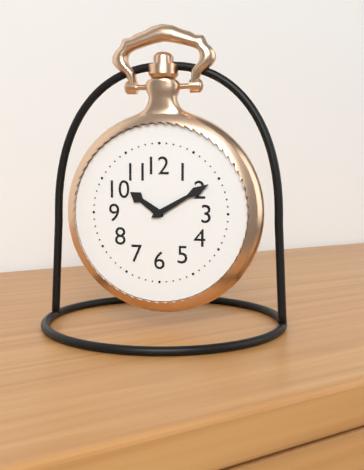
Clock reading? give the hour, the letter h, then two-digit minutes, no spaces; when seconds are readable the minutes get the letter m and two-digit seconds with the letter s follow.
10h10
